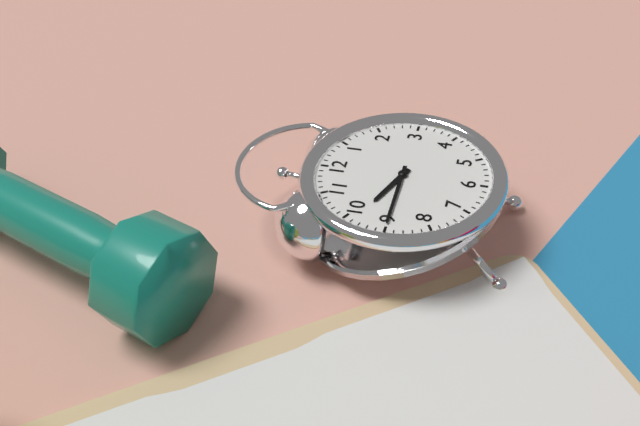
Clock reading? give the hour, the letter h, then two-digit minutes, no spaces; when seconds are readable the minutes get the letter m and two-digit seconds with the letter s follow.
9h45
